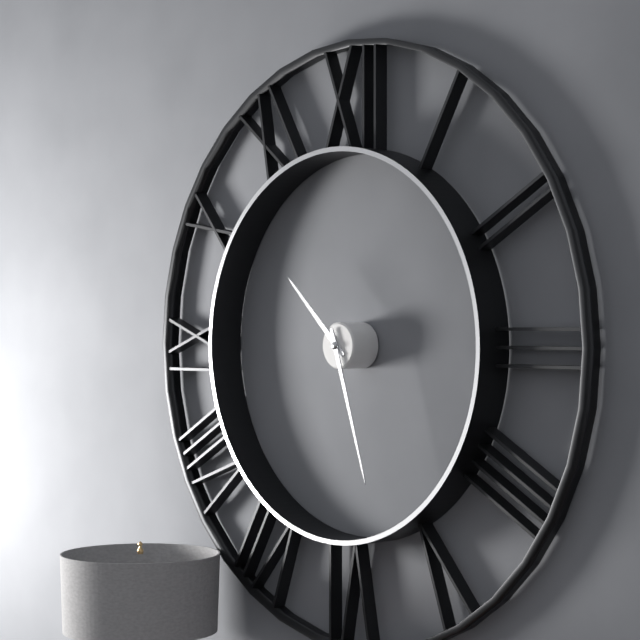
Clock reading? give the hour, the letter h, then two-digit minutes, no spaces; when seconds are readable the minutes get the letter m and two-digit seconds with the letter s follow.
10h27
